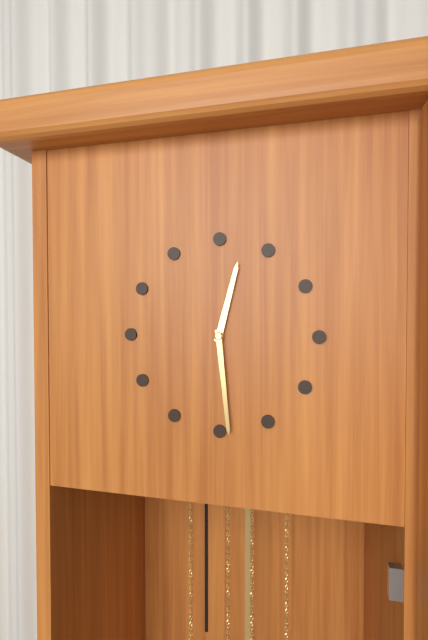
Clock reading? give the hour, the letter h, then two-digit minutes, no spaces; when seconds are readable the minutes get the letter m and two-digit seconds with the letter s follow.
12h29
